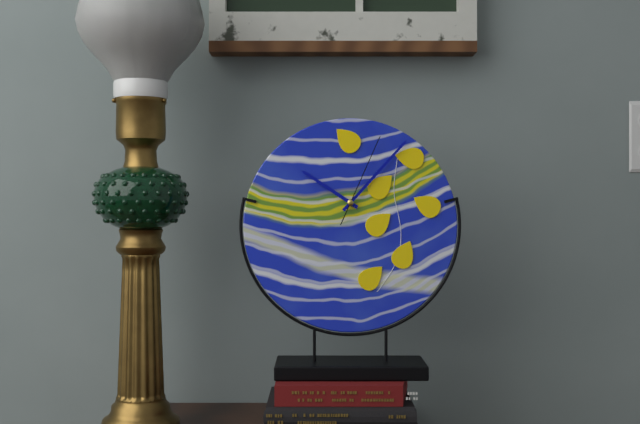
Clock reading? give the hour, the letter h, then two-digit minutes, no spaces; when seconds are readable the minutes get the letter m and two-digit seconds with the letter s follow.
10h07m04s
